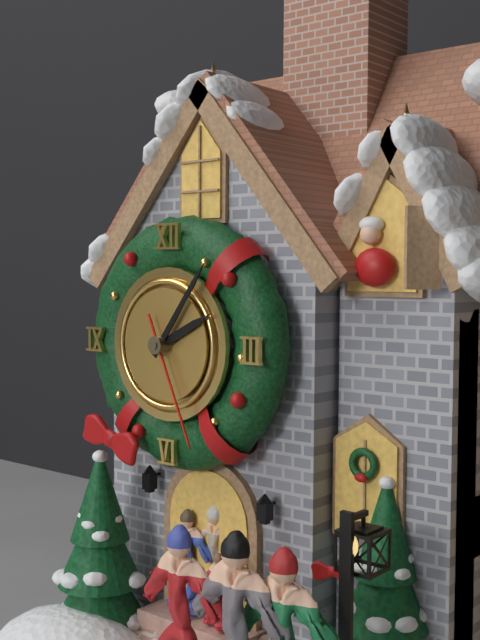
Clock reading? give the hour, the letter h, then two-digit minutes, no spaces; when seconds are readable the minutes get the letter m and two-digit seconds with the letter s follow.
2h06m26s
